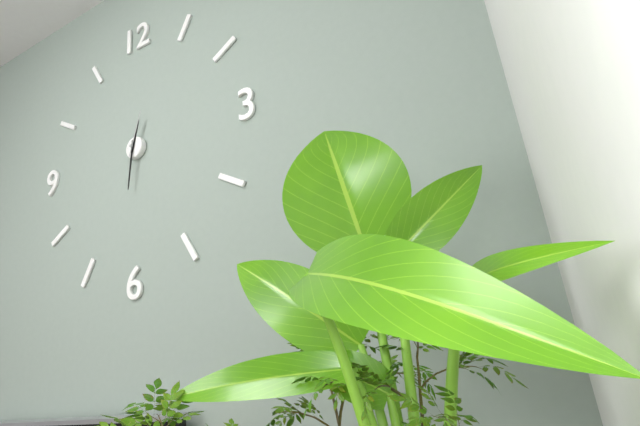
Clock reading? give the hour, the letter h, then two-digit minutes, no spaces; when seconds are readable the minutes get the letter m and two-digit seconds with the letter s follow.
12h31
